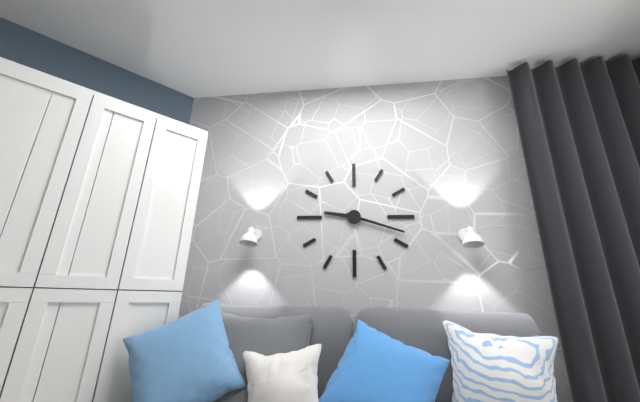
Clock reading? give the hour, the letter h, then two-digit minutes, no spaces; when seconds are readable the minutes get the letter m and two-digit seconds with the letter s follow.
9h18
